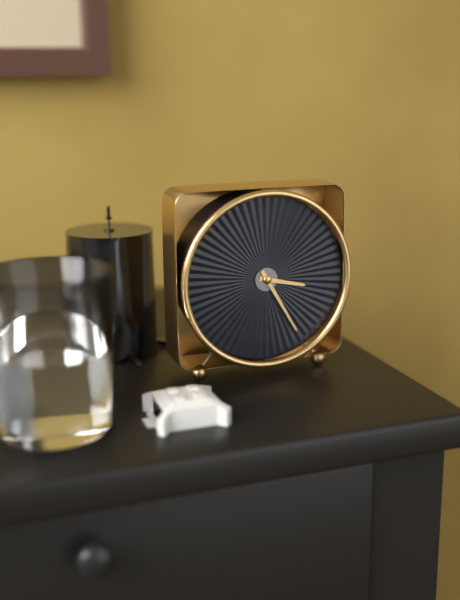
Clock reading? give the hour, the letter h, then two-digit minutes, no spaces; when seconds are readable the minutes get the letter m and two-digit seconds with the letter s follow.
3h25
